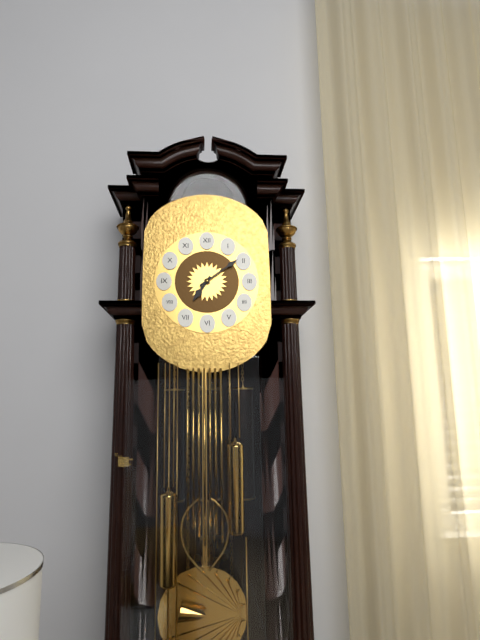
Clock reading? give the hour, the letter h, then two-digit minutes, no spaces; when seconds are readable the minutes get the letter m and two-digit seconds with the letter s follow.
7h09
